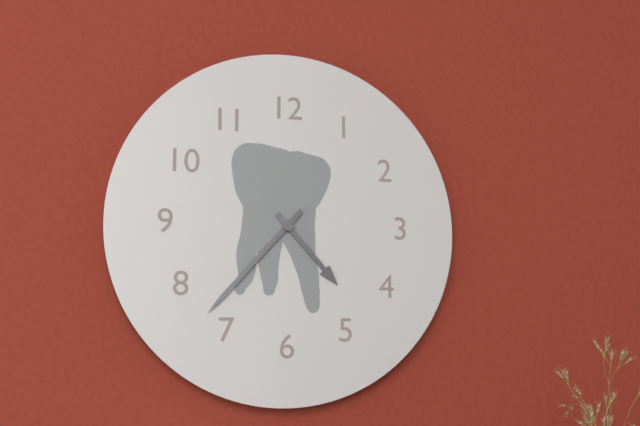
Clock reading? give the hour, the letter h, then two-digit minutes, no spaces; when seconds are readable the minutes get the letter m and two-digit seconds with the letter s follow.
4h37
